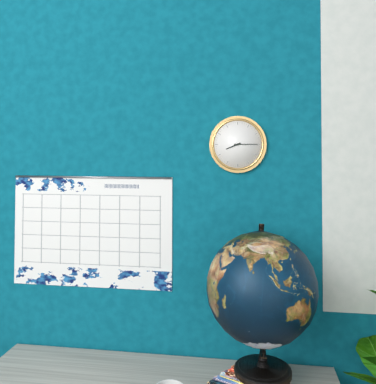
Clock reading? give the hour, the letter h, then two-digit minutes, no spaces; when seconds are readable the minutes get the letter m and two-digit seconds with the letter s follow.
8h15
